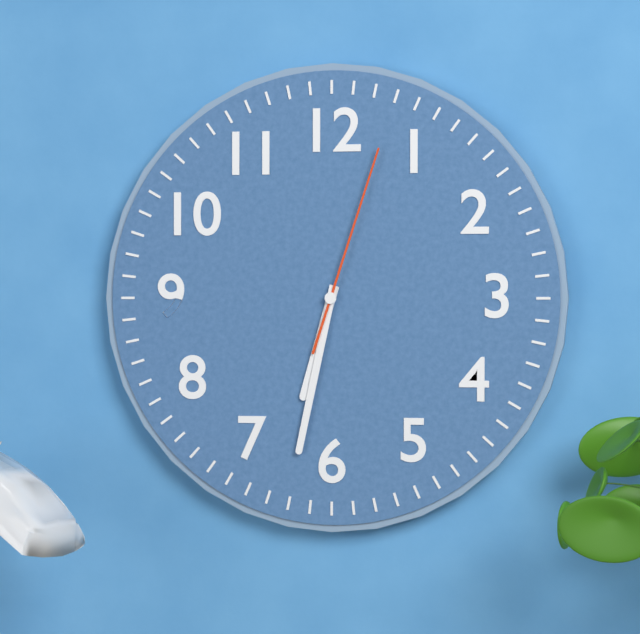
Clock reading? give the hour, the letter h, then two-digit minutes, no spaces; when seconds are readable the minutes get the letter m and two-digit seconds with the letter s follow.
6h32m03s
